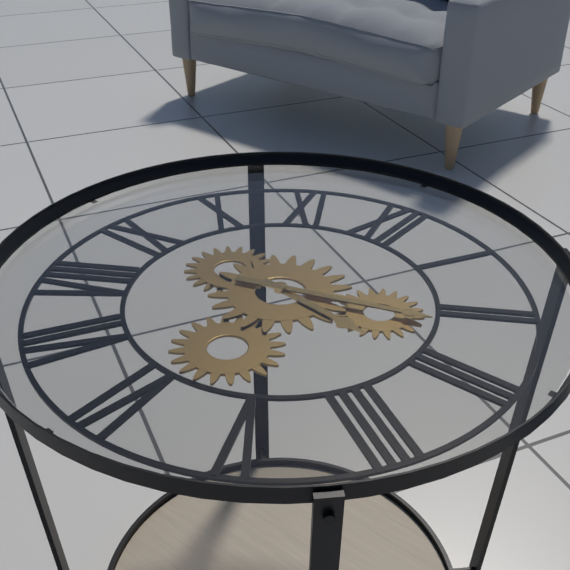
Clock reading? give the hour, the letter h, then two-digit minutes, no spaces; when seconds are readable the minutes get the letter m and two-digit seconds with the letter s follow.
3h12
